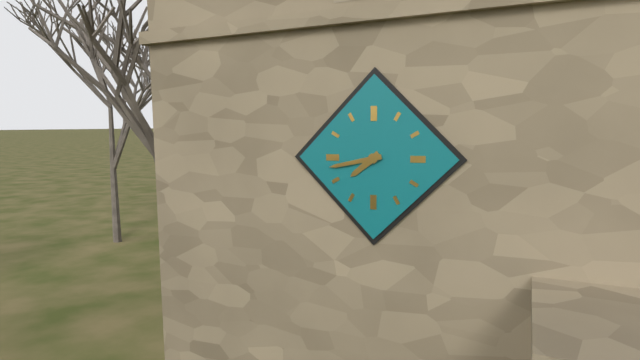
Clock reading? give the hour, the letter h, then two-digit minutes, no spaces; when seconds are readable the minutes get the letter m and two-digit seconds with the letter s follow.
7h43
